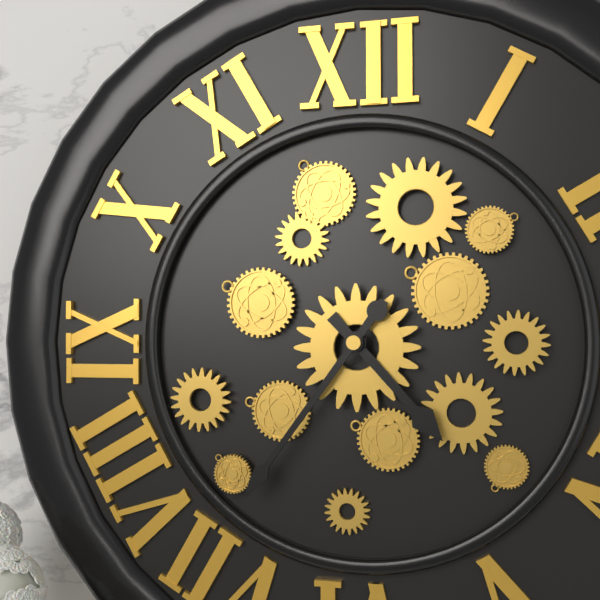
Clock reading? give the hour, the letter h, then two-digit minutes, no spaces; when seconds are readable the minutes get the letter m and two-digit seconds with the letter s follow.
4h36
